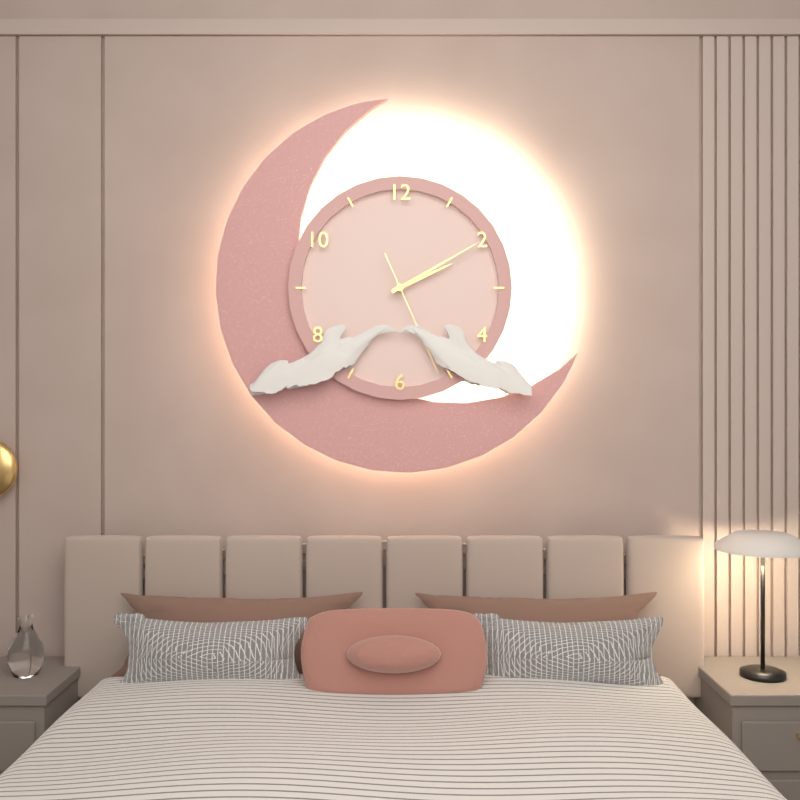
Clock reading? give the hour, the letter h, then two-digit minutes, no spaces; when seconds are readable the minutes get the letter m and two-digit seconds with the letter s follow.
2h10m26s
